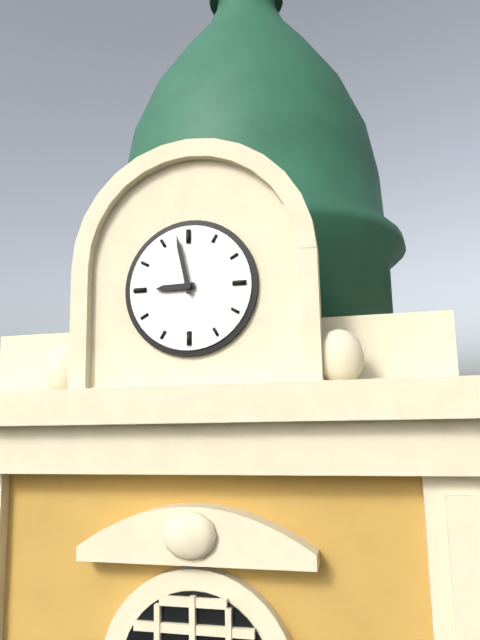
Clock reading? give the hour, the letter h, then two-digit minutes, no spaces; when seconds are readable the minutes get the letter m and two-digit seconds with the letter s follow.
8h58
